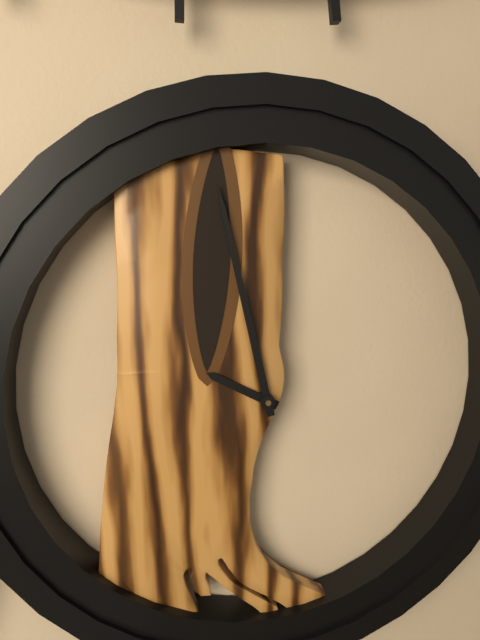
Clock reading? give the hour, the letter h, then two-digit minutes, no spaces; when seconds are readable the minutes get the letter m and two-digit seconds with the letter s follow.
9h58
